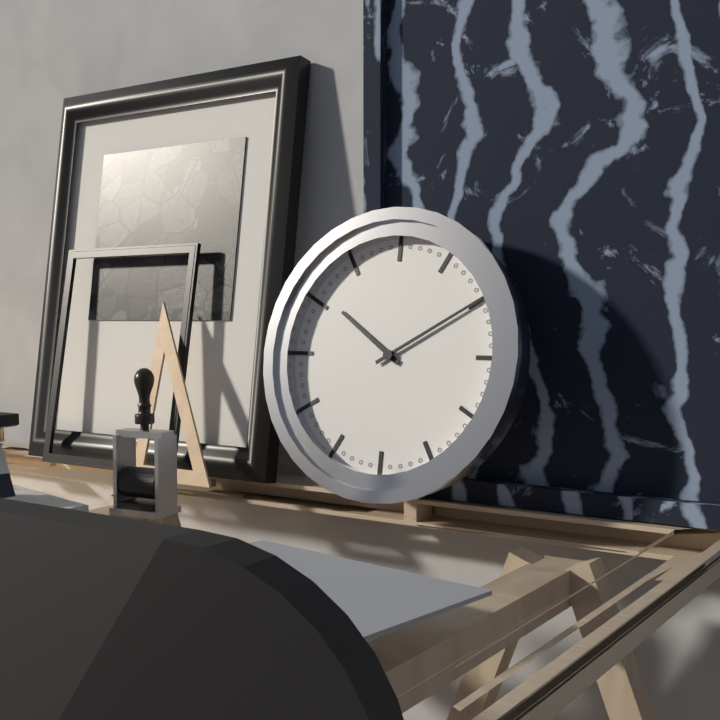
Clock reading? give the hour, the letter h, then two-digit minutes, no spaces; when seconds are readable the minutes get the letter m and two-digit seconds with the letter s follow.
10h10
